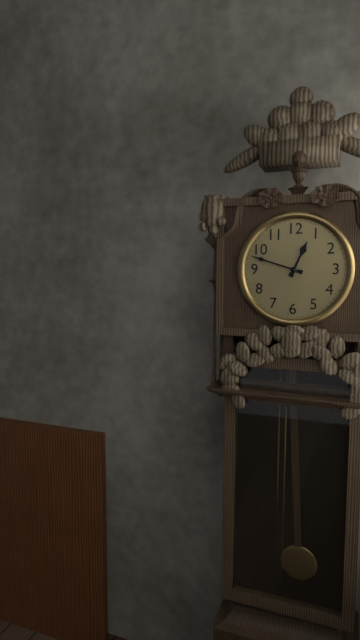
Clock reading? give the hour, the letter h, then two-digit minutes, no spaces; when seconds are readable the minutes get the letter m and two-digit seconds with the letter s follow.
12h48
